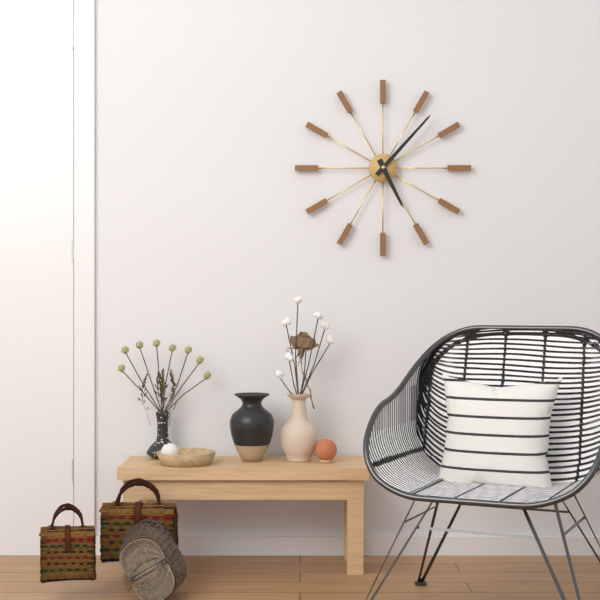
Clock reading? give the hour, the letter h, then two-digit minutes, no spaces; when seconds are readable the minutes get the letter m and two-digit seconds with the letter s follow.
5h07
